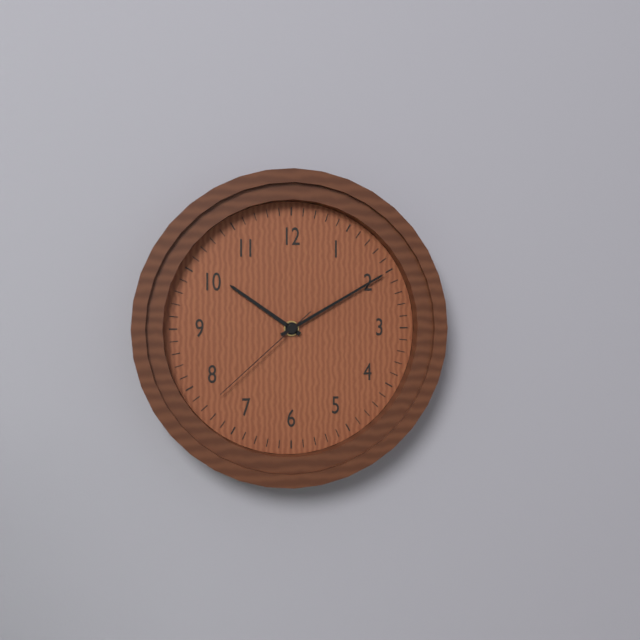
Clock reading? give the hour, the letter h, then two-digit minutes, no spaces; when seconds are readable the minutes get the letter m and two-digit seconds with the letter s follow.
10h10m38s
